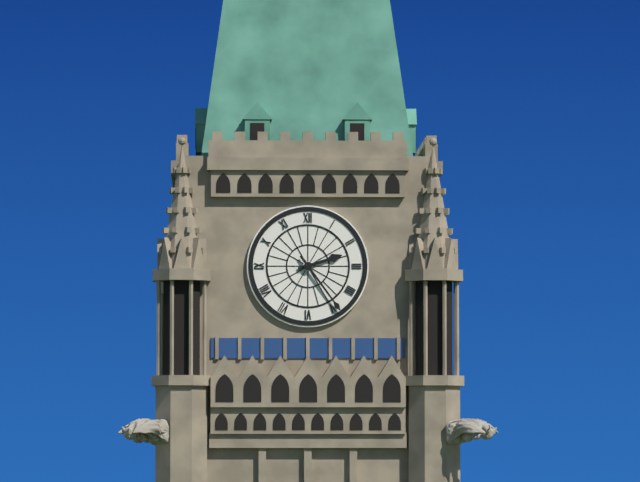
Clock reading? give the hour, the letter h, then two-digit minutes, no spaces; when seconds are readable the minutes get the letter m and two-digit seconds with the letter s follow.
2h24
